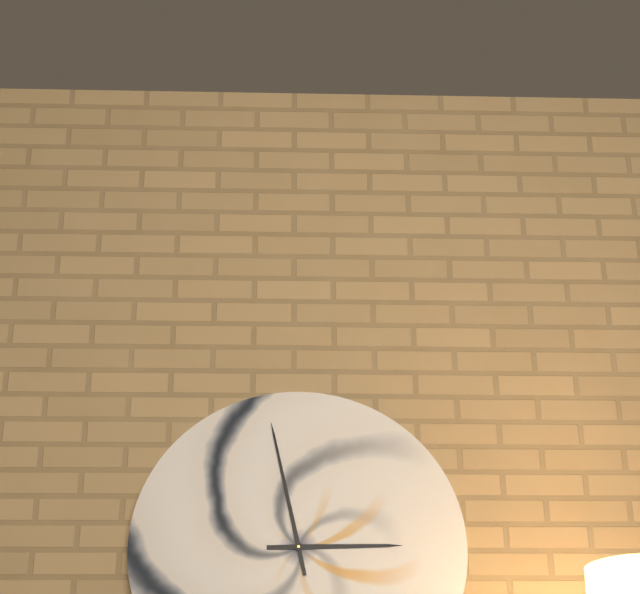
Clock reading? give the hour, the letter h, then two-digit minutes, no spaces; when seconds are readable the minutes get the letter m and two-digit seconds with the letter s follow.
2h58
